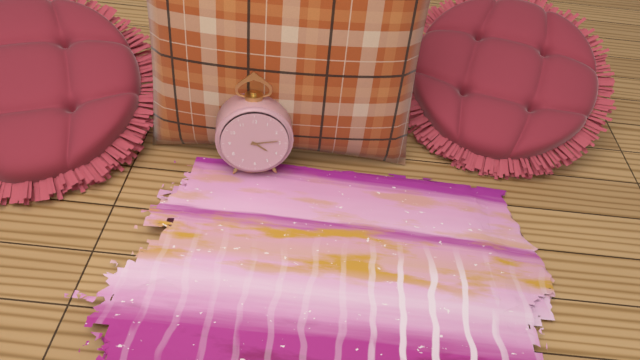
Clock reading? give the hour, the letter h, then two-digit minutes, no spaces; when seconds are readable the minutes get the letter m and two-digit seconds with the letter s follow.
4h14
